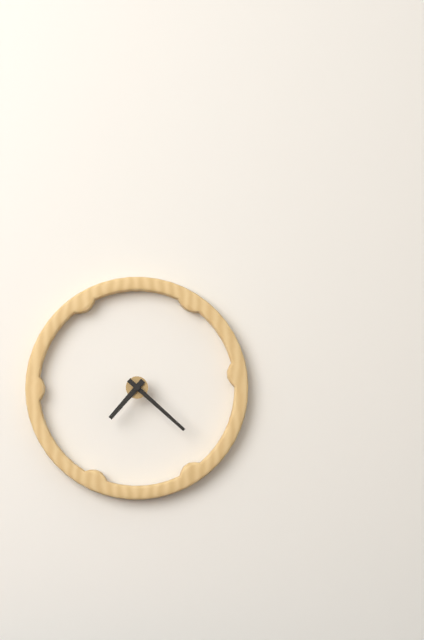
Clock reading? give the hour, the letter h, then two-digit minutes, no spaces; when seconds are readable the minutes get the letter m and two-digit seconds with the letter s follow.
7h22
